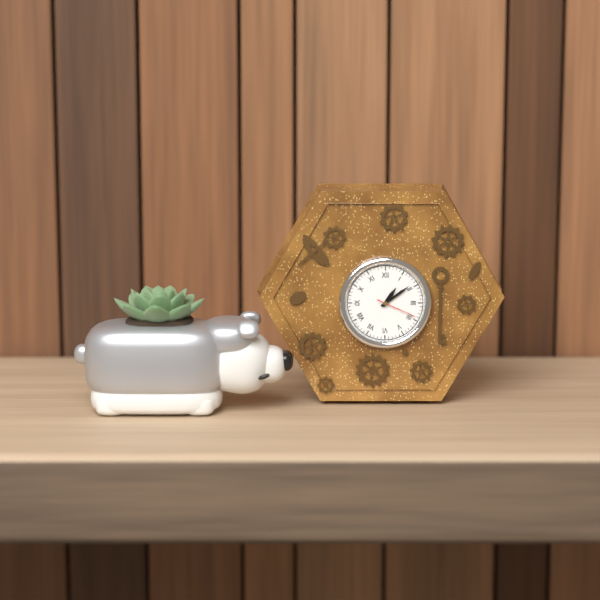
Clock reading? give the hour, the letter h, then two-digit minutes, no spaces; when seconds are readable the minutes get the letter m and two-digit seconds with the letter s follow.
1h09
